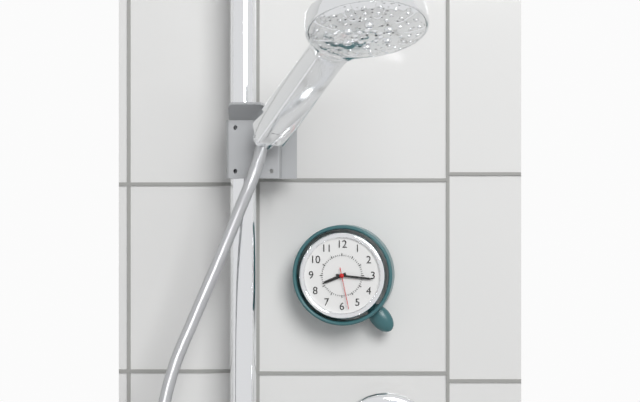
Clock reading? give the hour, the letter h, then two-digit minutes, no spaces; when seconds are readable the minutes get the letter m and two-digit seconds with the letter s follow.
8h16
